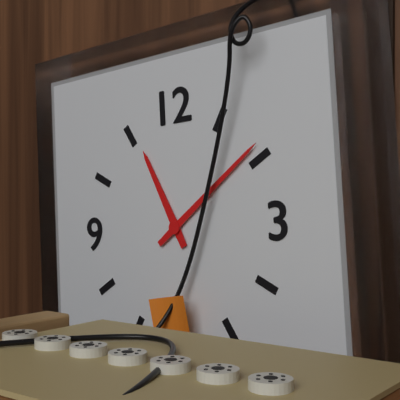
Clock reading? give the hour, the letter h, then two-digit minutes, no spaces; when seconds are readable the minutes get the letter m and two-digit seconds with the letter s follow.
11h09
